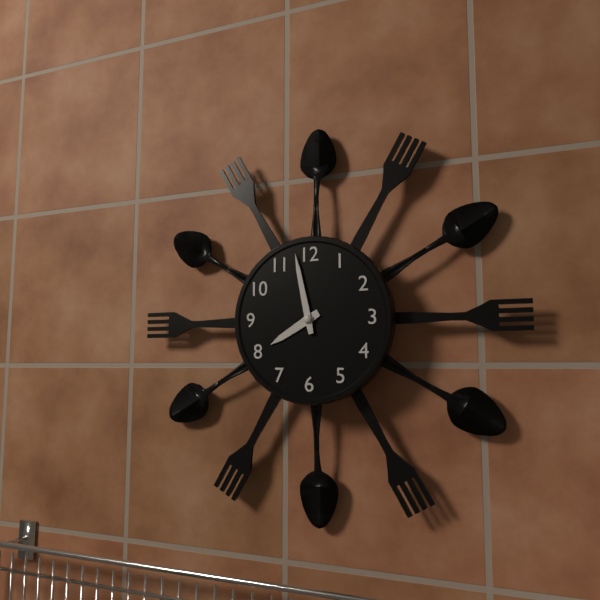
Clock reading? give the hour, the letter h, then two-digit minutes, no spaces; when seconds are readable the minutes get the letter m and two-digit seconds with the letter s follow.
7h58
